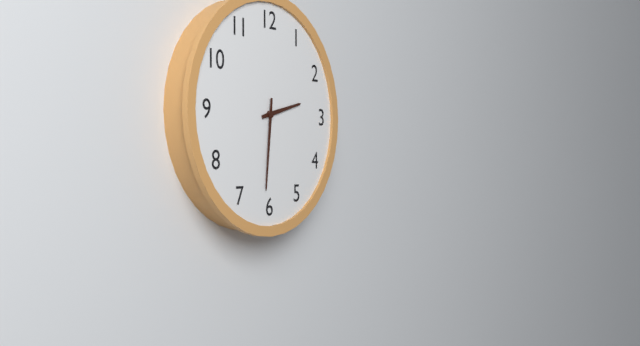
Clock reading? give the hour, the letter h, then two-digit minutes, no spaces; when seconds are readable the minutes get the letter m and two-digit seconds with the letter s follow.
2h31
